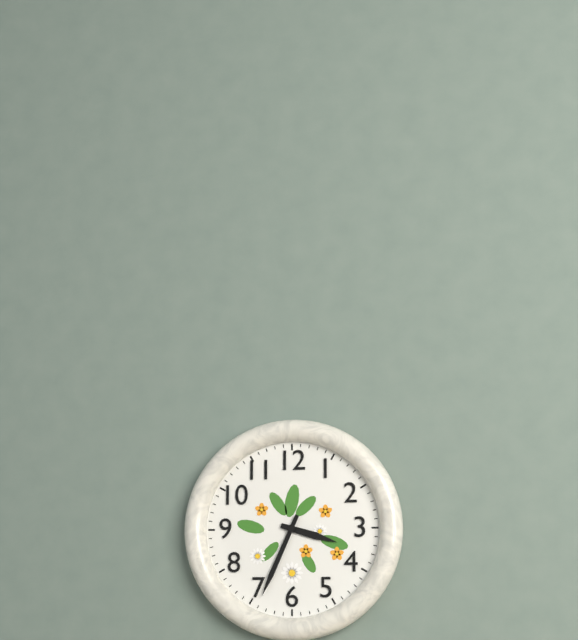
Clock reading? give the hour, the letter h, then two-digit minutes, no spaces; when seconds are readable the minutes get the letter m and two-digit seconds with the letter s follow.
3h34
